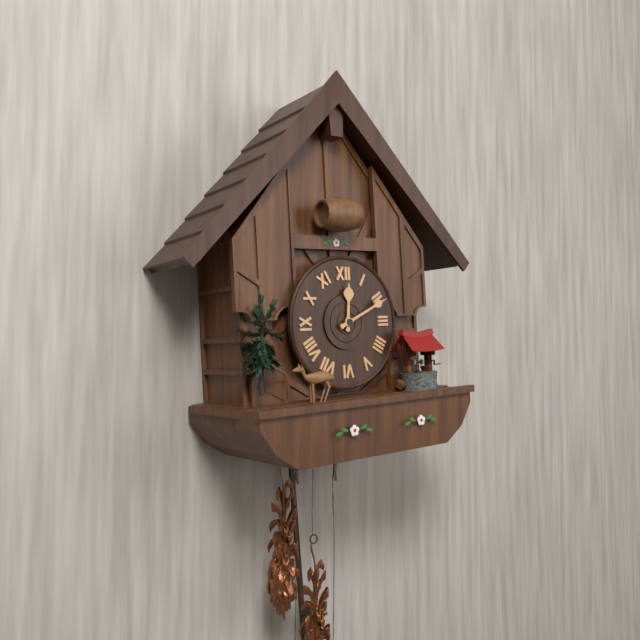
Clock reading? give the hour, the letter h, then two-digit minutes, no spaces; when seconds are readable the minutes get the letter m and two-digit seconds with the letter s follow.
12h11
